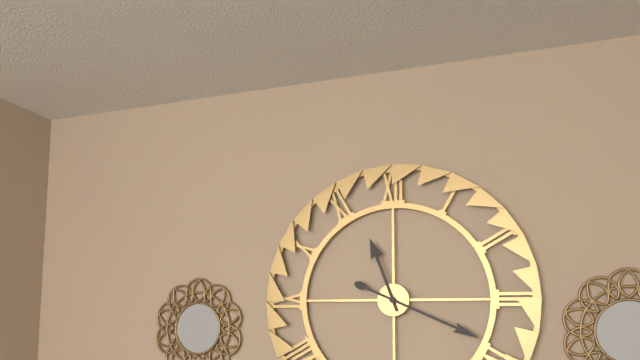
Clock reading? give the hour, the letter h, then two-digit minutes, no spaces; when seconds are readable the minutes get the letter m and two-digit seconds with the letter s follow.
11h19
